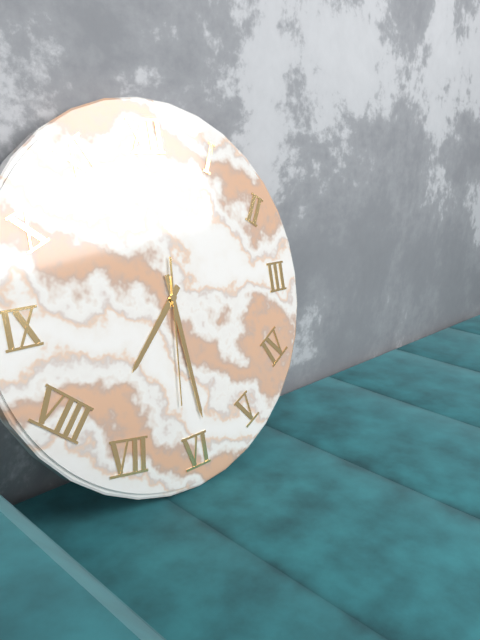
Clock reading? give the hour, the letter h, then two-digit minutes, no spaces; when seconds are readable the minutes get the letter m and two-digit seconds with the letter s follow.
7h29m31s
